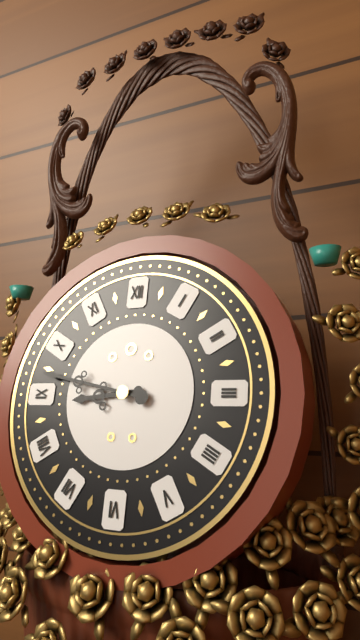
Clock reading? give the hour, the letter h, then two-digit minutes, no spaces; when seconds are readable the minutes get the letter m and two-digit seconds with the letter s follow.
8h47
